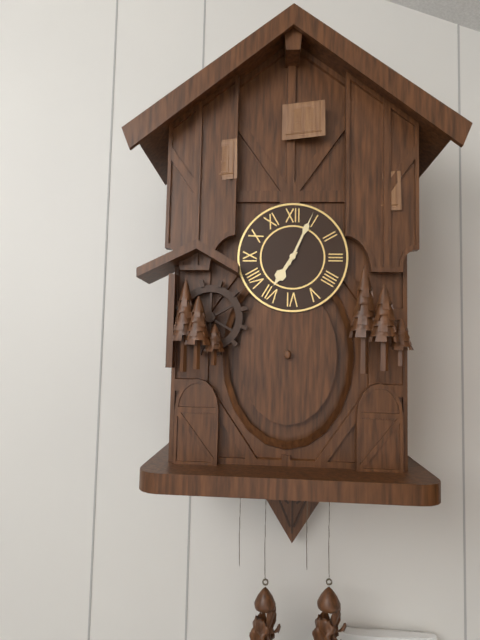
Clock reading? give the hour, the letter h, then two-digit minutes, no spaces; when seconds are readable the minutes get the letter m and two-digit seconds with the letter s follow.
7h04
